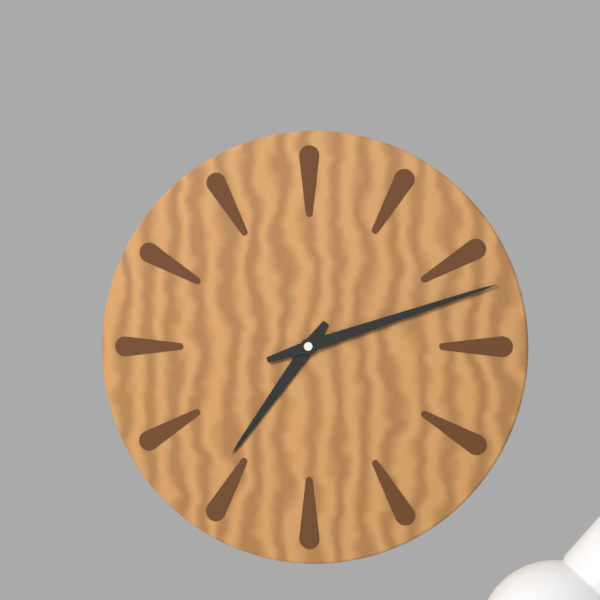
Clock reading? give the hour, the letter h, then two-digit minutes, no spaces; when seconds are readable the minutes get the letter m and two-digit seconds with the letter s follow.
7h12
